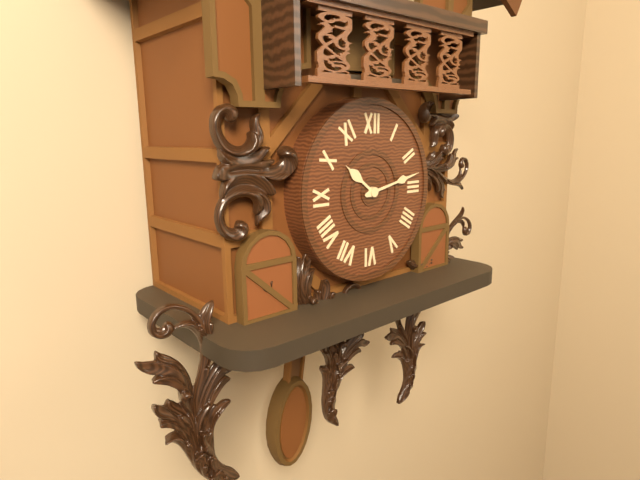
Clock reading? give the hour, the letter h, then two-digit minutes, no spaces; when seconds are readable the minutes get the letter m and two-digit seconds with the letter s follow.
10h13
